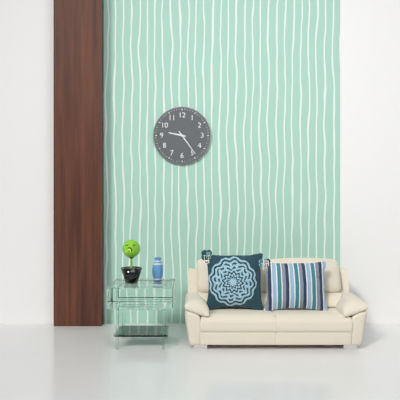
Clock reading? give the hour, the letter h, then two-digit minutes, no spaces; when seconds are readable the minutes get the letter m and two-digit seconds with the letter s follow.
9h24
